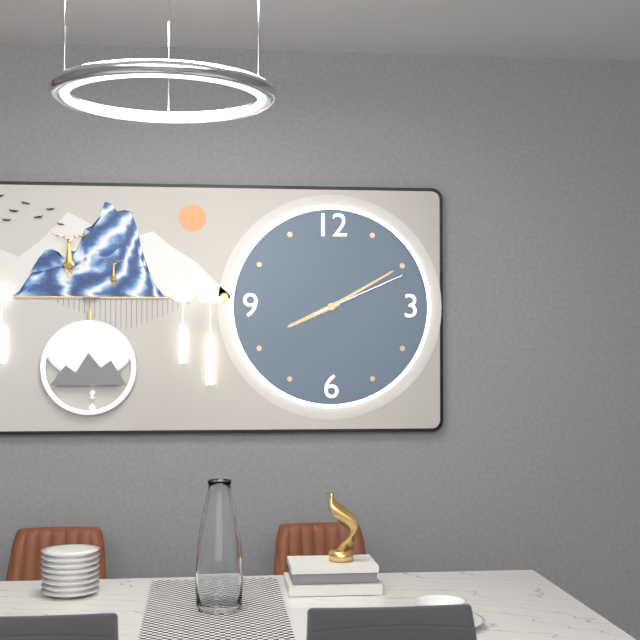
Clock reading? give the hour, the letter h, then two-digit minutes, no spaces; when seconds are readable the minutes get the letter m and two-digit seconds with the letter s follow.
8h10m11s
